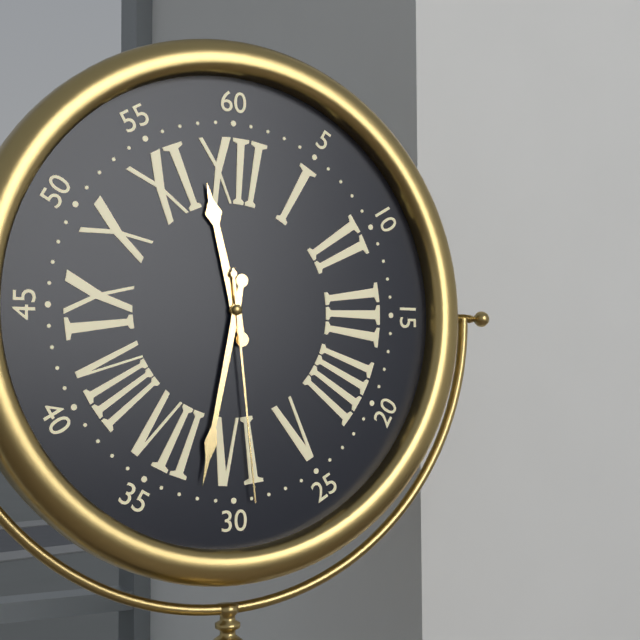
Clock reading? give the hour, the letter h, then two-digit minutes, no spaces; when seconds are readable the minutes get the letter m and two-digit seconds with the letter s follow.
11h32m29s
